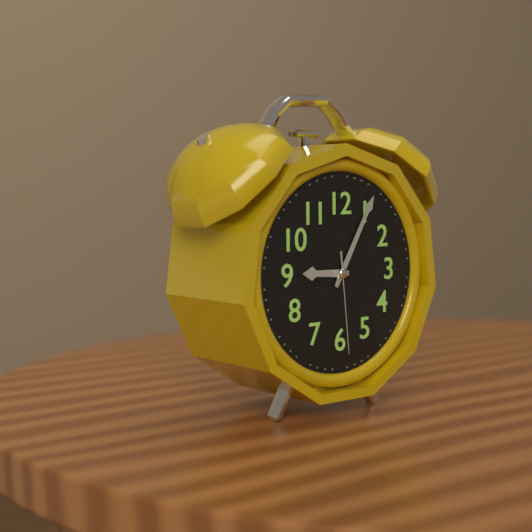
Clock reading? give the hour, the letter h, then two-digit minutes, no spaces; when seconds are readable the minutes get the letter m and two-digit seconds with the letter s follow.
9h05m29s
